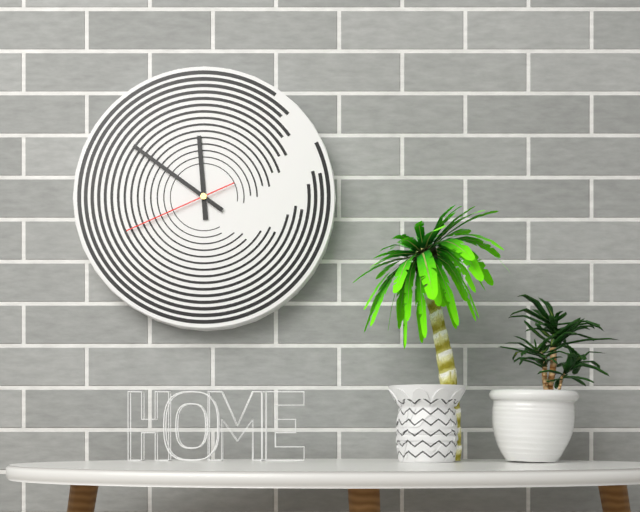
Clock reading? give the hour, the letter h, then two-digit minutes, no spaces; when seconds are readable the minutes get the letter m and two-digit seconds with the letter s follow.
11h51m41s
